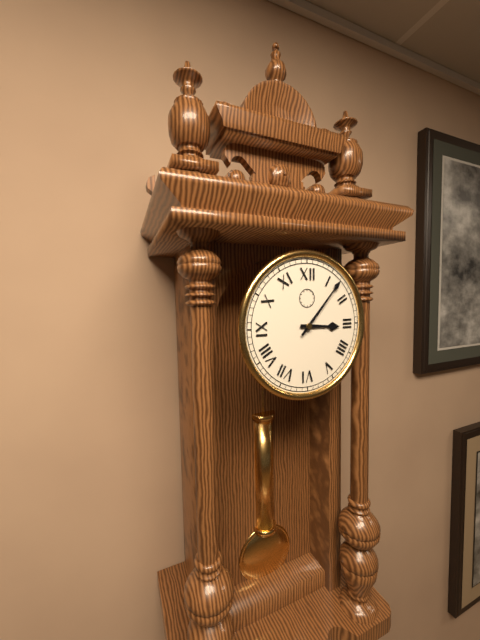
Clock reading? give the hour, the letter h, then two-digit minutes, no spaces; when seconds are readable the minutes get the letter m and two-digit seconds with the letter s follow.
3h07
